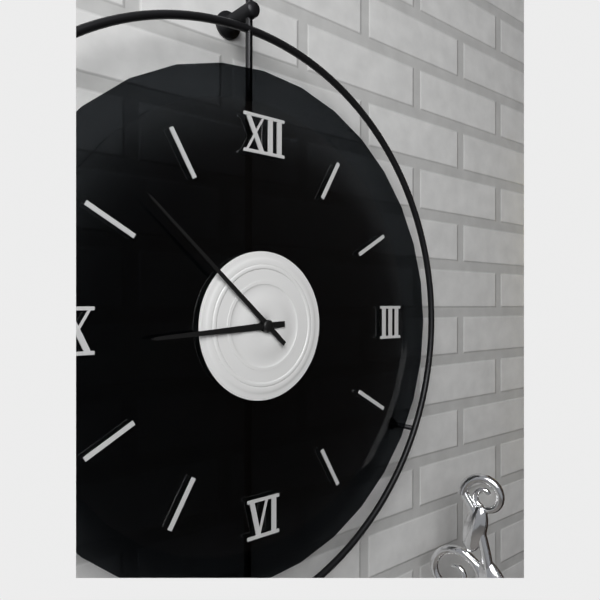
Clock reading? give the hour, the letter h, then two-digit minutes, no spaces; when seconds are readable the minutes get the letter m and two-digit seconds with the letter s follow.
8h52
